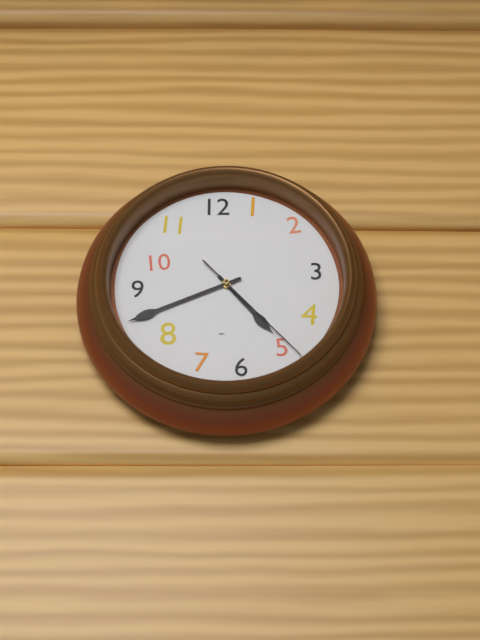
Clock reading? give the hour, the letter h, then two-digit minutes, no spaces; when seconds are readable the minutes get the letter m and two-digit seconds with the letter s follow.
4h41m23s
